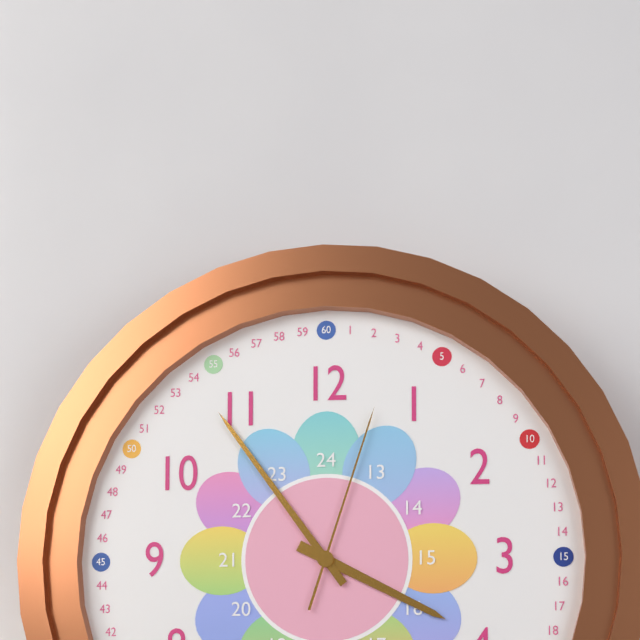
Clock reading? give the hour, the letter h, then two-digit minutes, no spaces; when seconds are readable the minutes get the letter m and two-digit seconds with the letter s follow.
3h54m03s
